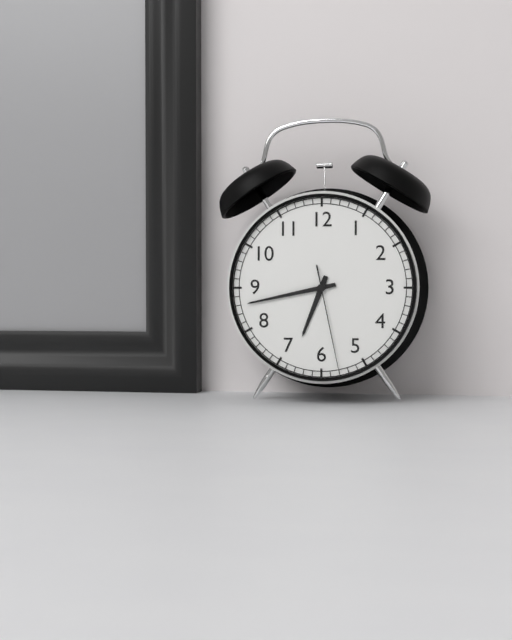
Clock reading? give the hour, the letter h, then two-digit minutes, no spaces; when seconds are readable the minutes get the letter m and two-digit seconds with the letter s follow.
6h43m28s
